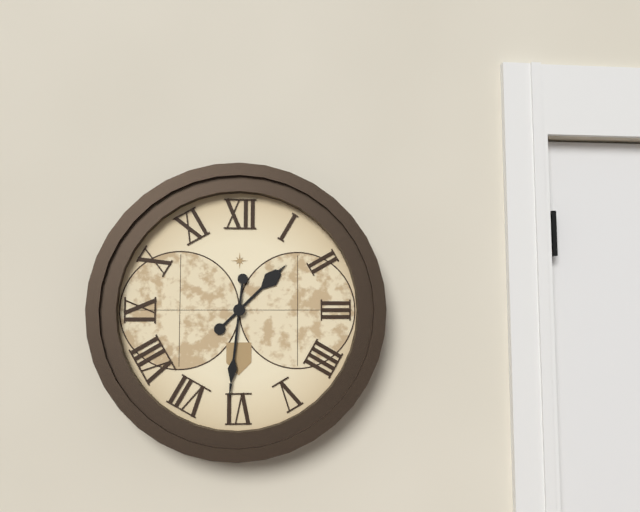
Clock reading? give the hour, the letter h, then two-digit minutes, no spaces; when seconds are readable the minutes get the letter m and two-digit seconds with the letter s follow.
1h31
